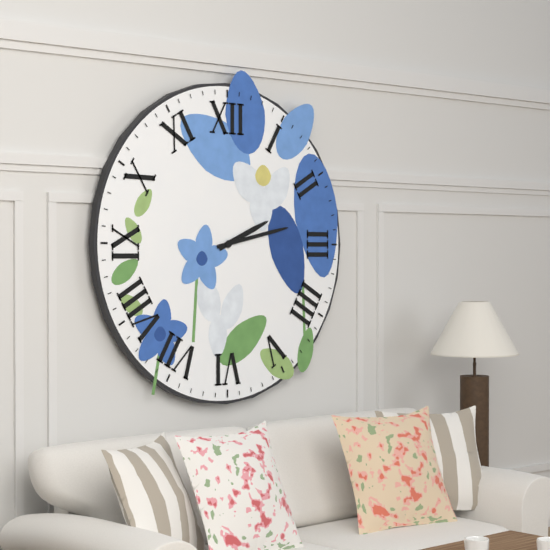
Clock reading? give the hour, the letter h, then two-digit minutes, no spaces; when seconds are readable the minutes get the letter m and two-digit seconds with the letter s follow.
2h13
